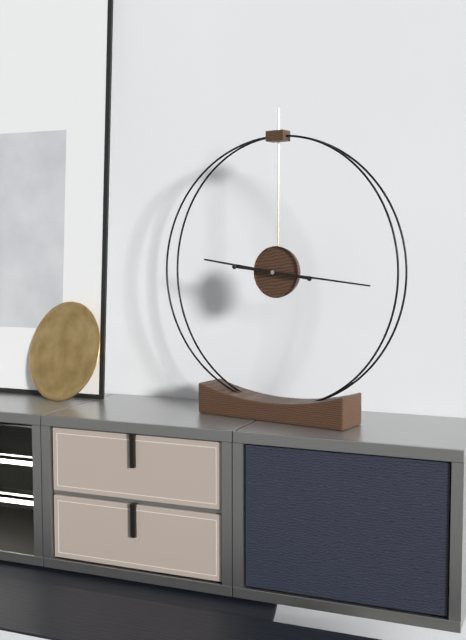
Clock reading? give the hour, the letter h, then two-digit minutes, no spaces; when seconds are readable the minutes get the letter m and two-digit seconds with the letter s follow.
9h16
